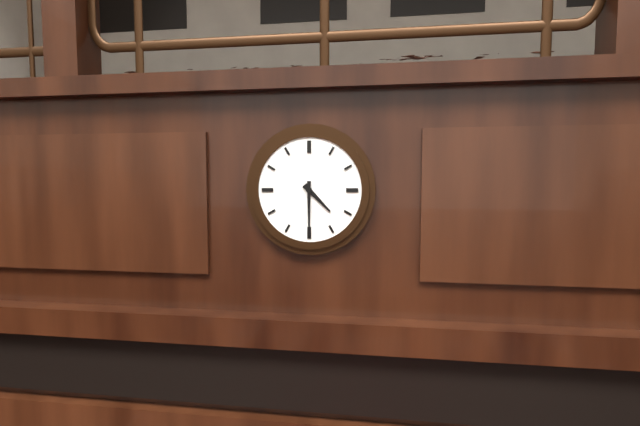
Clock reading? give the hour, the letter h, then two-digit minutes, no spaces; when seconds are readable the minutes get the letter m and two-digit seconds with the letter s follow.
4h30
